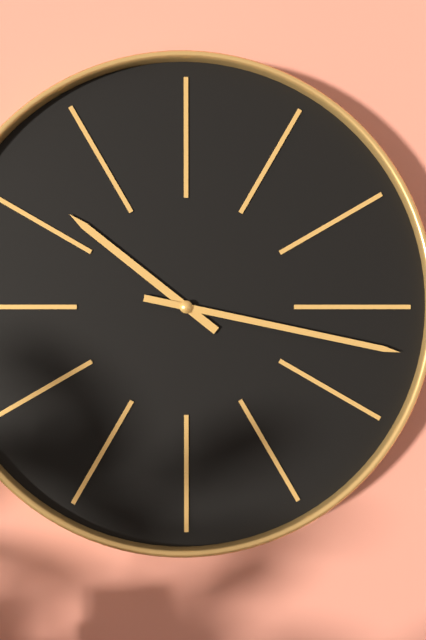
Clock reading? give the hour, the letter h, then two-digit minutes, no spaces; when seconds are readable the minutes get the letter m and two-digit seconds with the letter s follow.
10h17
